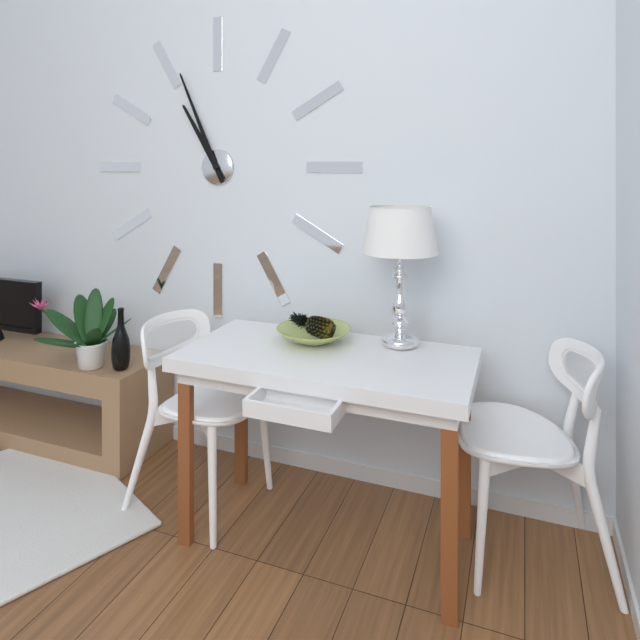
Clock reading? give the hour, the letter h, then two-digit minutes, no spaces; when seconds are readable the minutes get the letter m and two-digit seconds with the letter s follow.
10h56
